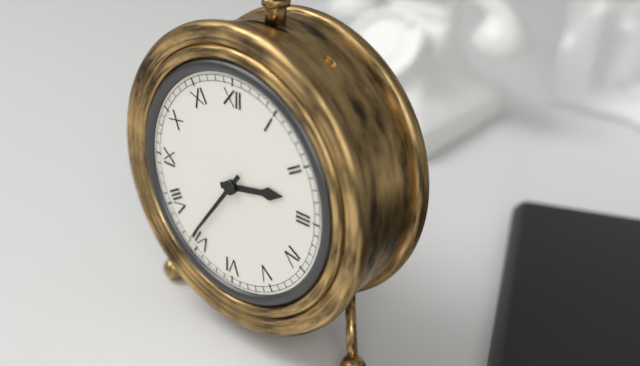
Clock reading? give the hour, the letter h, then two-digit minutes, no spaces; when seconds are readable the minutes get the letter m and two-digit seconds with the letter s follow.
2h36
